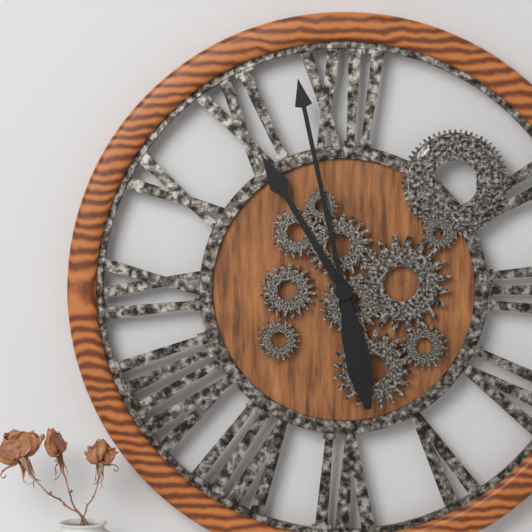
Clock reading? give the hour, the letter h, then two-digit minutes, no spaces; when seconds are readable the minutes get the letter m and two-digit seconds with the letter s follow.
10h58
